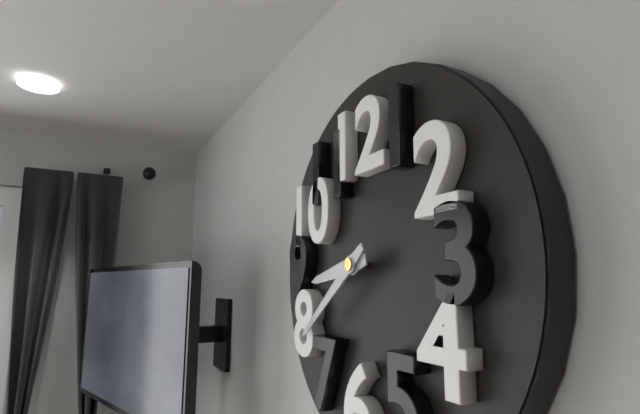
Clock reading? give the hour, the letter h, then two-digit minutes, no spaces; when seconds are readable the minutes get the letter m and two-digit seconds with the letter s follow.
8h39
